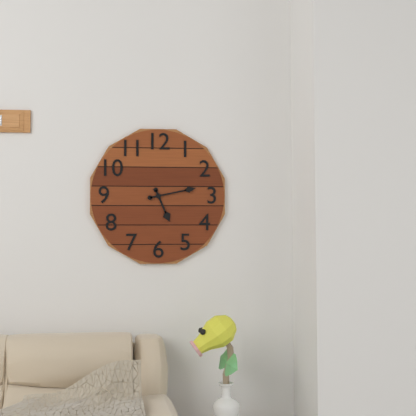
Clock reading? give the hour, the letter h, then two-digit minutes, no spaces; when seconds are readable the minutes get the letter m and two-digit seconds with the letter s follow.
5h13
